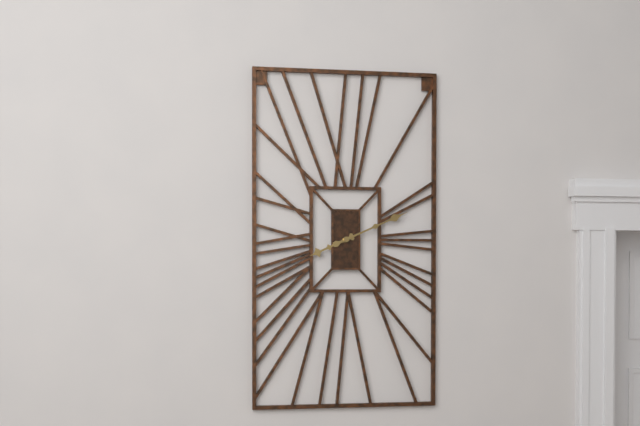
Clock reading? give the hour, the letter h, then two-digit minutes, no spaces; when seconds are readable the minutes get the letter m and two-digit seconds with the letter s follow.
8h11
